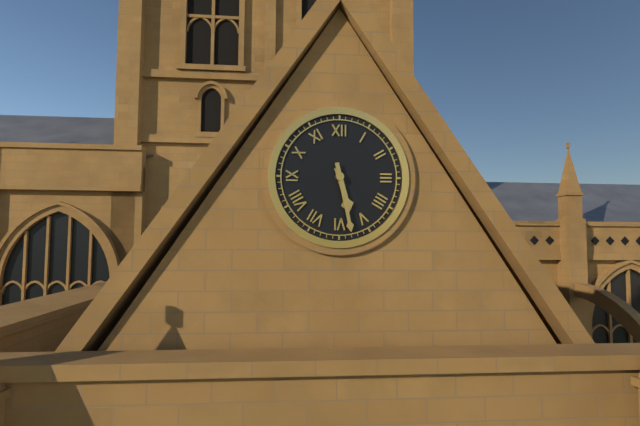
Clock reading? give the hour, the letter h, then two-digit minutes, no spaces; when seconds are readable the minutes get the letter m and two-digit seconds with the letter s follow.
5h28
